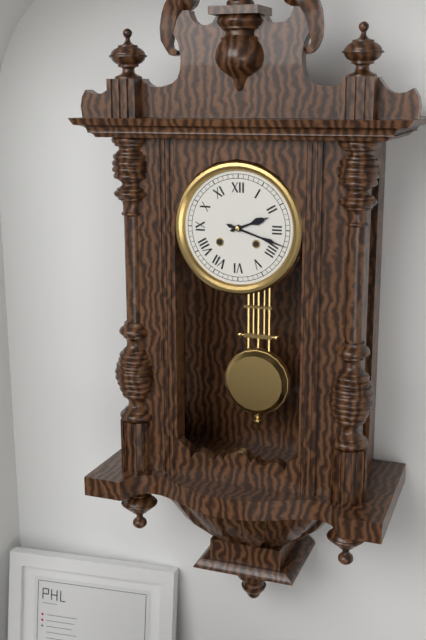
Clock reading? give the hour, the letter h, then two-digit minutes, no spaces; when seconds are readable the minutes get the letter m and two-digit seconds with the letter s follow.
2h18
